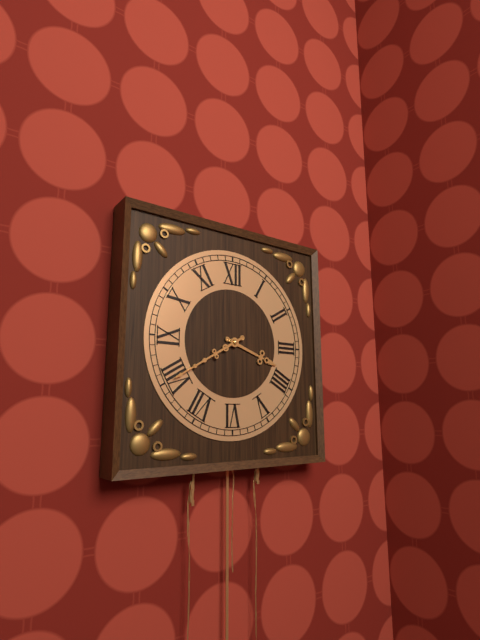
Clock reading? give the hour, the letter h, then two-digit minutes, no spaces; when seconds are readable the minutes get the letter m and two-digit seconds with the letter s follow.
3h40
